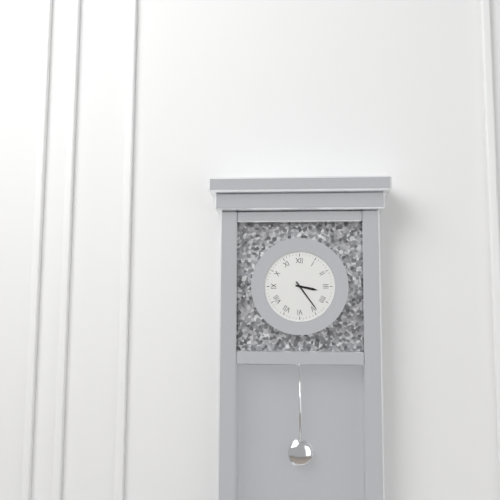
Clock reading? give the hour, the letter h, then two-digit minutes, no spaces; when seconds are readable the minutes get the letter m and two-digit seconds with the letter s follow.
3h24
